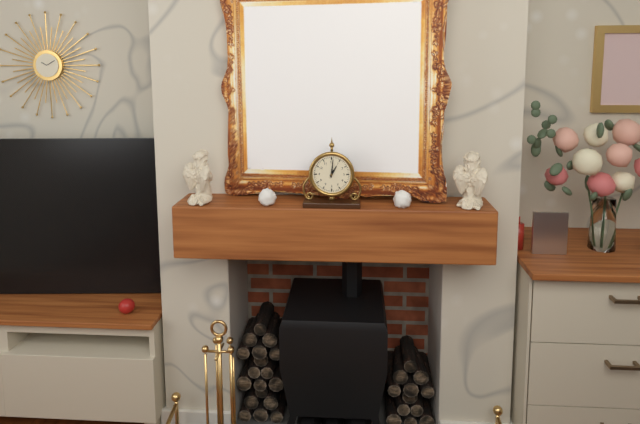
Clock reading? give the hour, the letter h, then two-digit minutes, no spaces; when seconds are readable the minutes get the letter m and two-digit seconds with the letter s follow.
1h01
